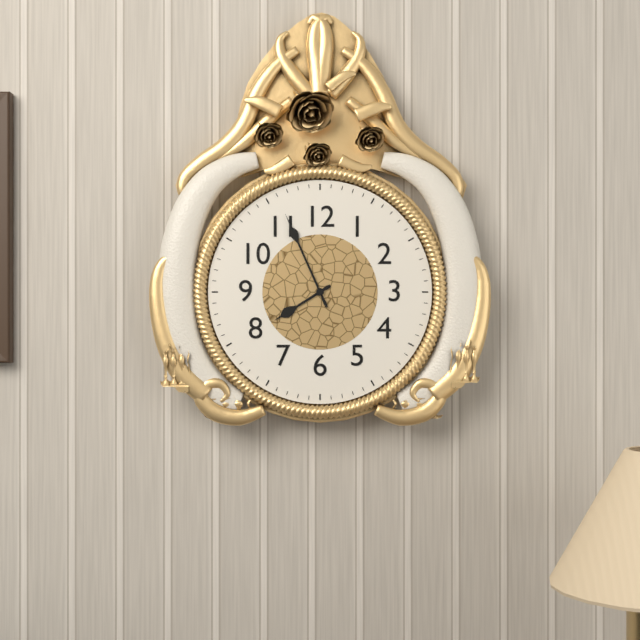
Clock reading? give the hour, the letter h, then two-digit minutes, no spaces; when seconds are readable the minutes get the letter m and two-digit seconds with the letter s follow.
7h56
